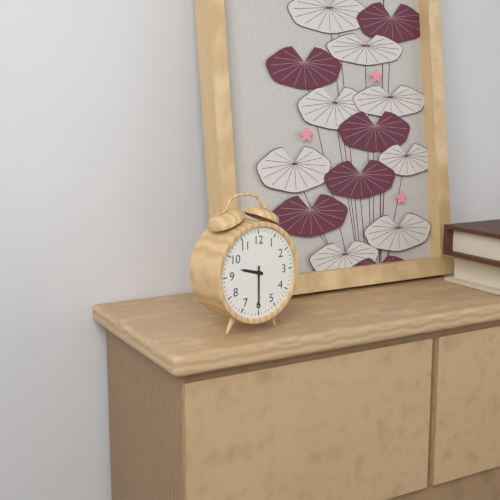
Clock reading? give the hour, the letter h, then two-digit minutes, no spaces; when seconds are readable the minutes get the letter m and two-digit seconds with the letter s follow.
9h30
